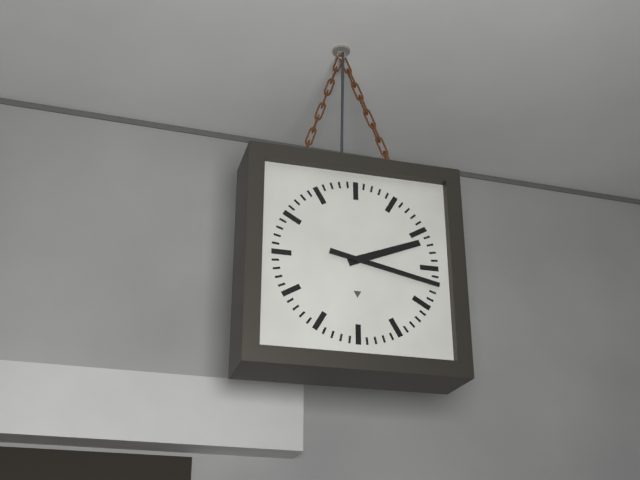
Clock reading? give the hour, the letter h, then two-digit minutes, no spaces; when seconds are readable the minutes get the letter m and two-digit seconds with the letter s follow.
2h17
